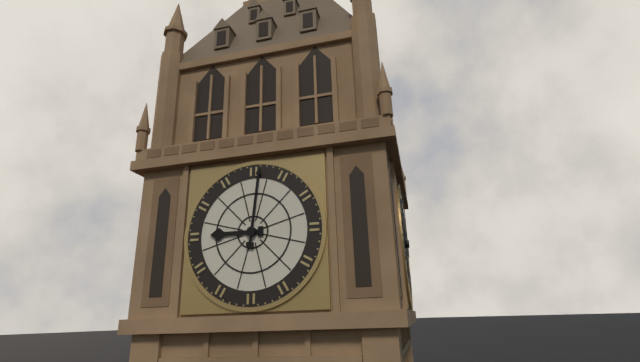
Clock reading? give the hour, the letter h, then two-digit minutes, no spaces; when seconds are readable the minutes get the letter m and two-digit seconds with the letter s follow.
9h01
